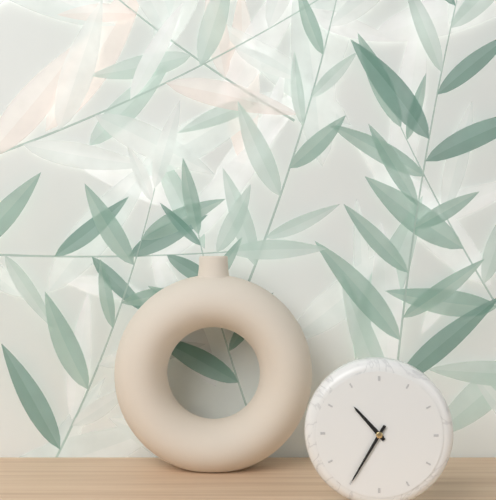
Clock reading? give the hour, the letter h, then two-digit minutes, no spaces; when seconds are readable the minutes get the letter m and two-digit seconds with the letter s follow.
10h35
